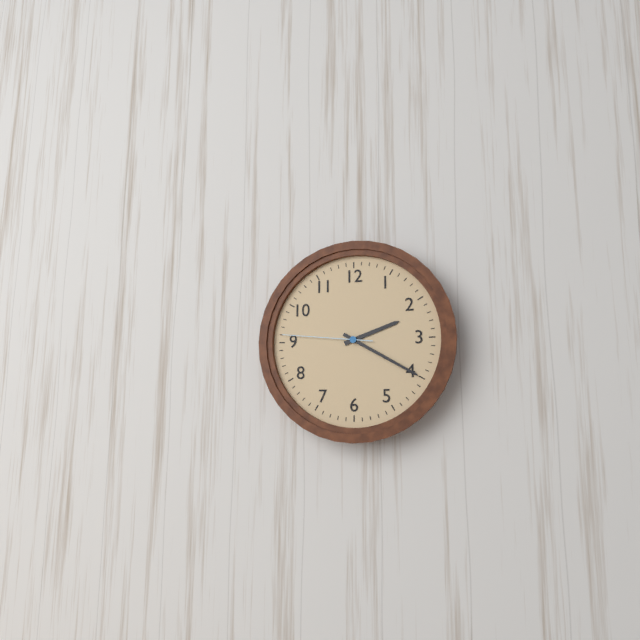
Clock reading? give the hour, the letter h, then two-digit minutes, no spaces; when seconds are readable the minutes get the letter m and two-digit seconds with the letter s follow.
2h20m46s
